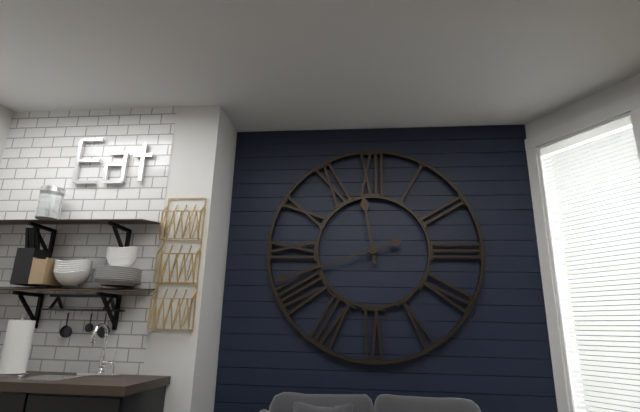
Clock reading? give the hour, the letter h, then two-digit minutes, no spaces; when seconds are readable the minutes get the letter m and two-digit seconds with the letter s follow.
11h42
